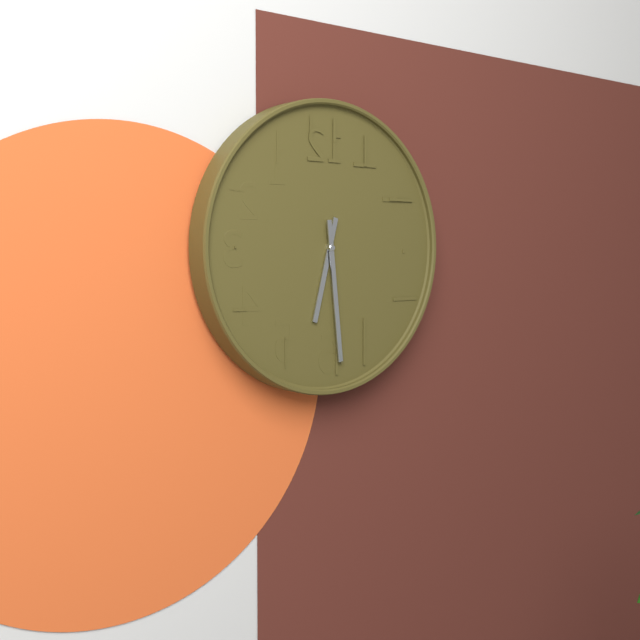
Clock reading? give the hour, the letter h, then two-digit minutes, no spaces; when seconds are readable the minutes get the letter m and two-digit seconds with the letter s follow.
6h29
